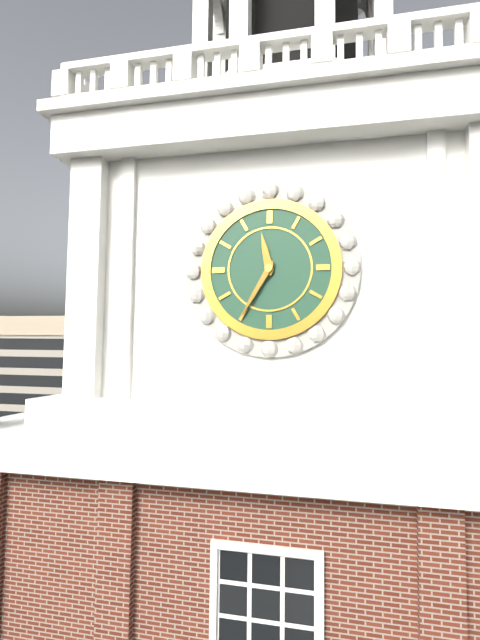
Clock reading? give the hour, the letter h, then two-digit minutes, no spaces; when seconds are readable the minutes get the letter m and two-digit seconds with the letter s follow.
11h35
